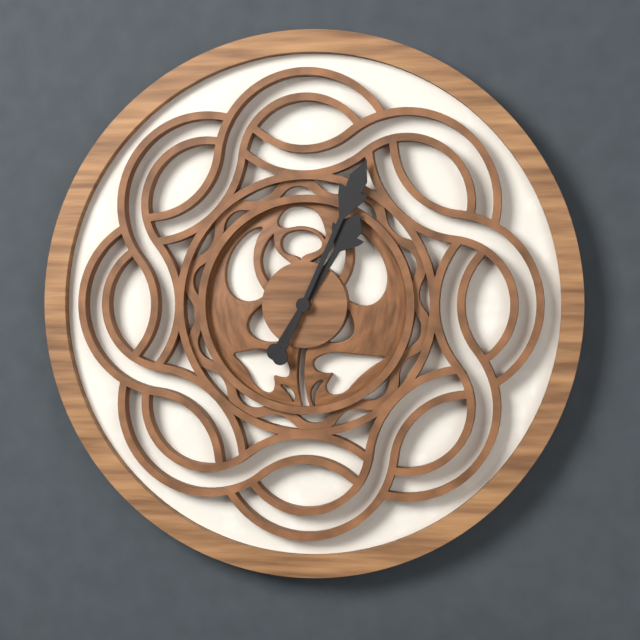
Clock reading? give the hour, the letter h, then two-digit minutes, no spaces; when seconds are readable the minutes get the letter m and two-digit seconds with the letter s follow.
1h04
